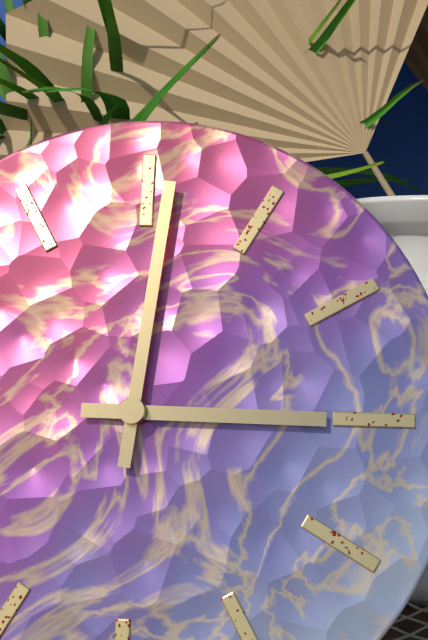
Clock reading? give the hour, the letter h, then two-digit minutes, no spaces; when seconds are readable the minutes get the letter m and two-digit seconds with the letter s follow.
3h01
